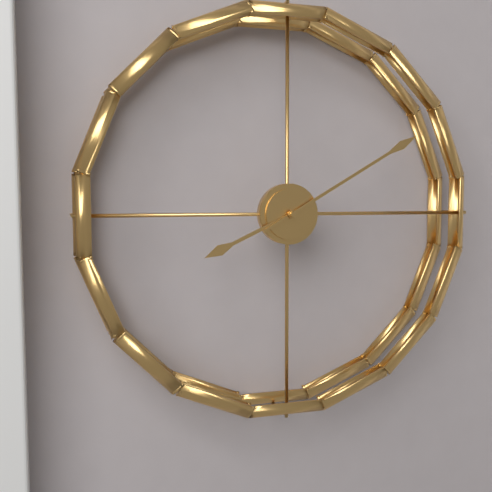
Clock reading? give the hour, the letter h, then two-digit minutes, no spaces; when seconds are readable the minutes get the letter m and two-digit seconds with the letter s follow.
8h10
